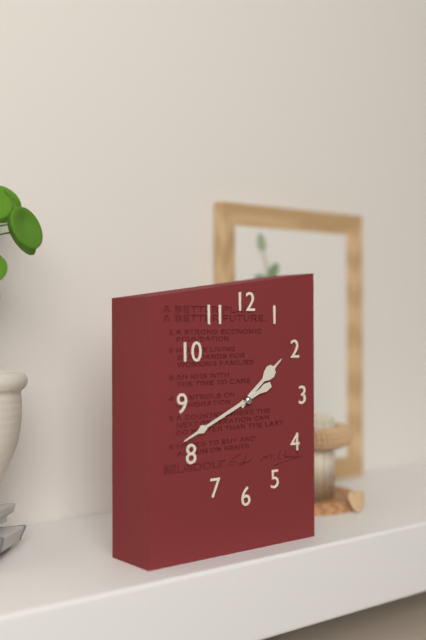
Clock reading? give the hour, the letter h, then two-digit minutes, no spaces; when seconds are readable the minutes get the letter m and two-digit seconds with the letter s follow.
1h41
